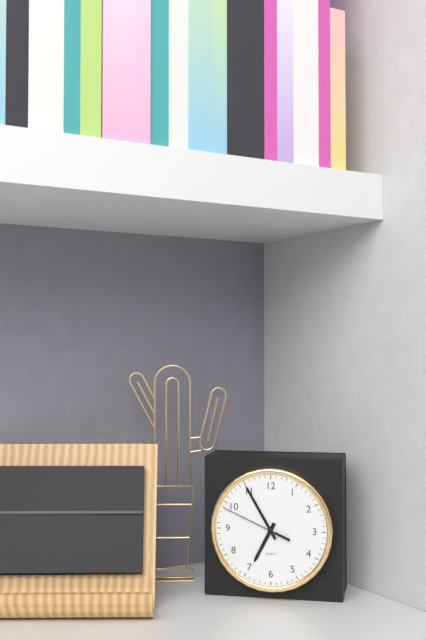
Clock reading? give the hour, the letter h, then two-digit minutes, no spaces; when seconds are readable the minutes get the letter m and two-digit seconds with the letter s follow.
6h55m49s
